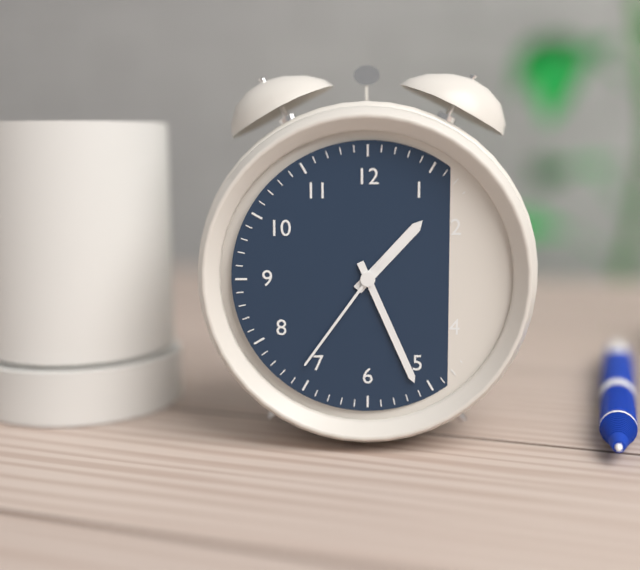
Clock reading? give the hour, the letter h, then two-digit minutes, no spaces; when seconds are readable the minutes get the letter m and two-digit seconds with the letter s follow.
1h26m36s
